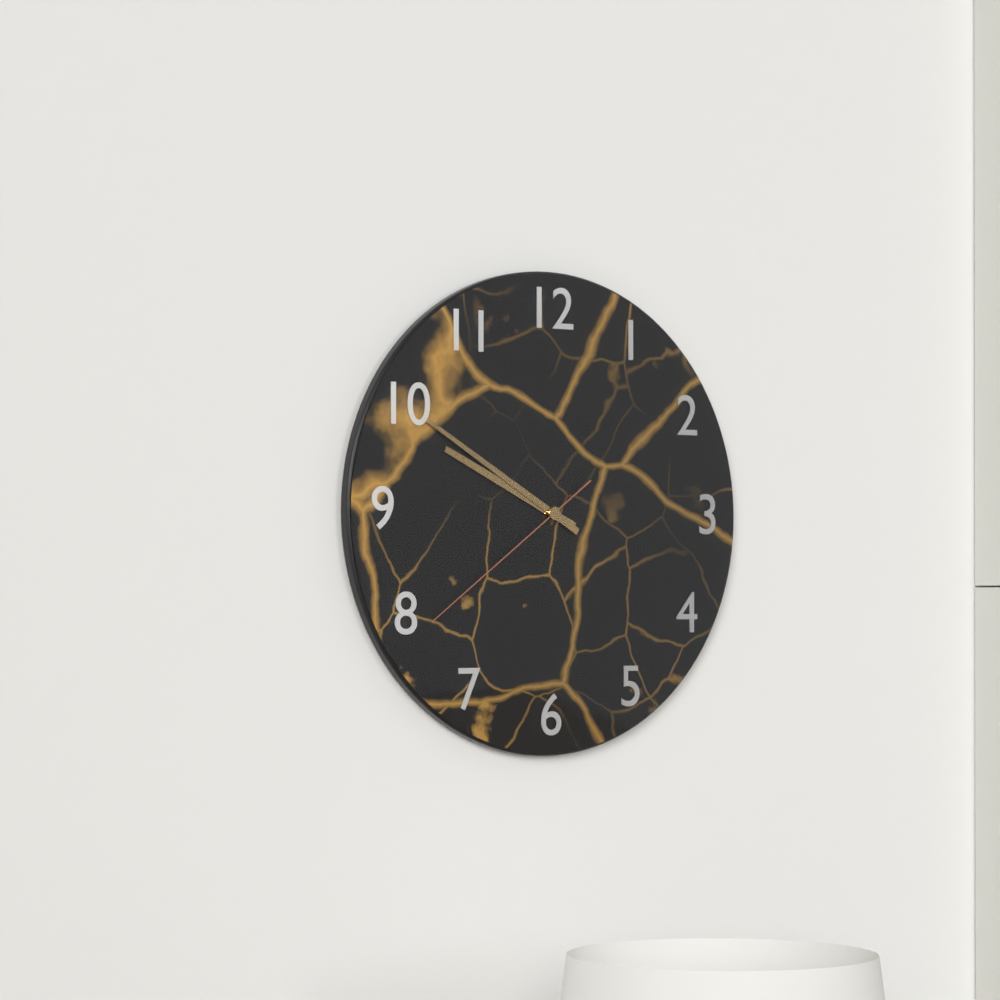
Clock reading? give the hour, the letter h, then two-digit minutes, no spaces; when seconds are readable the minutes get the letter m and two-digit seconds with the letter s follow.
9h50m39s
